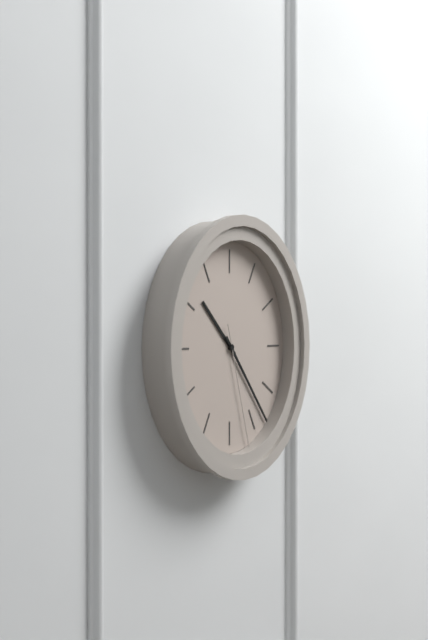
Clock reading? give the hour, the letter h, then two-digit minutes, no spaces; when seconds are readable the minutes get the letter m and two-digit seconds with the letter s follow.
10h23m27s
